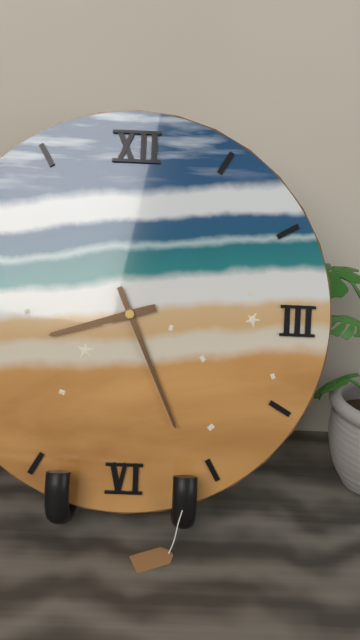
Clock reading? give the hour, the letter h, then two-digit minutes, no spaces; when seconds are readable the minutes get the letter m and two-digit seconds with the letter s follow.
8h26
